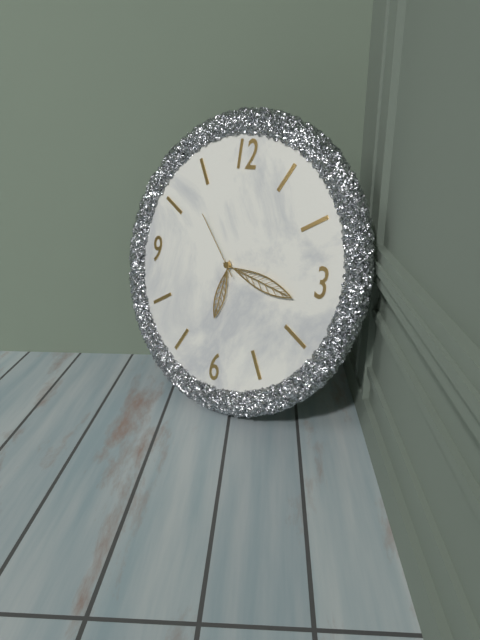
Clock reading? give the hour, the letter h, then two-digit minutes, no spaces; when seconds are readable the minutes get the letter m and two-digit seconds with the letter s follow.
6h17m53s
